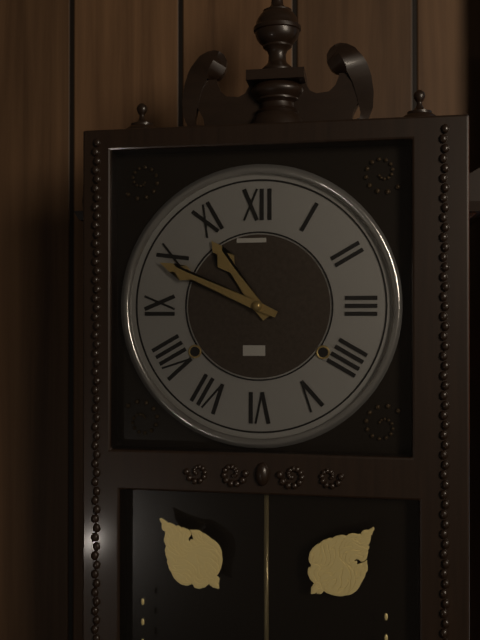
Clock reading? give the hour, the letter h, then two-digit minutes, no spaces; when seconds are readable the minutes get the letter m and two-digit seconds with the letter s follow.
10h49
